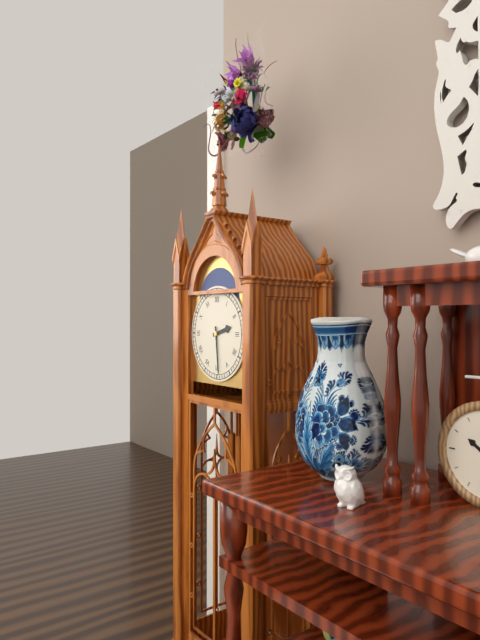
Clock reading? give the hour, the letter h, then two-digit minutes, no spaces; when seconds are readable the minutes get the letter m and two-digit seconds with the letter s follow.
2h29
